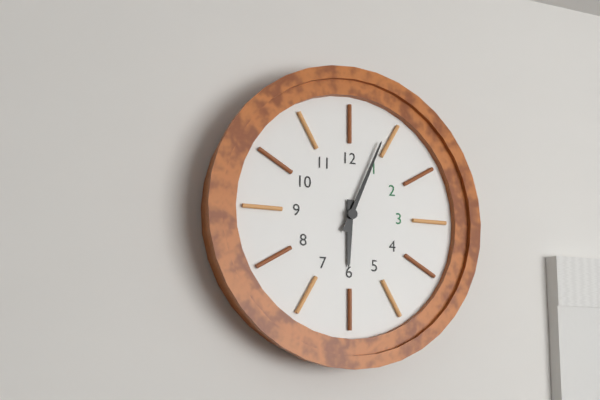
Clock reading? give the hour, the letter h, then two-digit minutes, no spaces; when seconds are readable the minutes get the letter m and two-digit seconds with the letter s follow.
6h04
